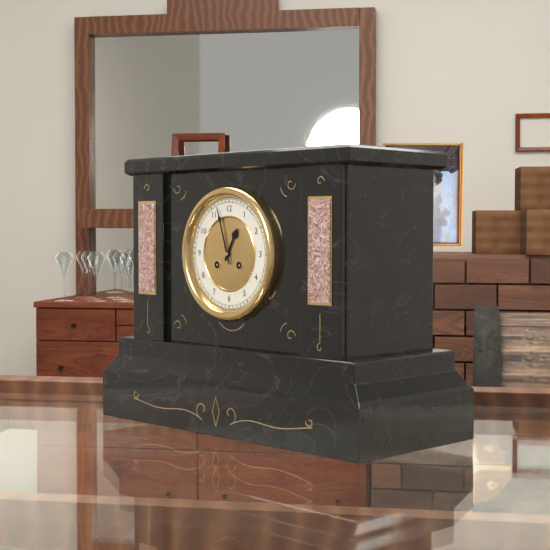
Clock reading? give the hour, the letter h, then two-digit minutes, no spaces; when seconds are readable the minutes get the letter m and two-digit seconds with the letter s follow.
12h57
